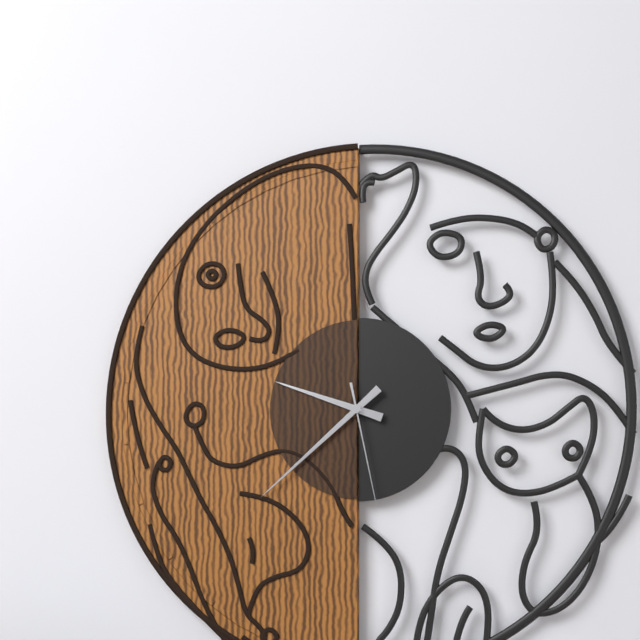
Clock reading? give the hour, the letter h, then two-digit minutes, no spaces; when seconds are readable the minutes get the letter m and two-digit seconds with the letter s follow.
9h38m28s
